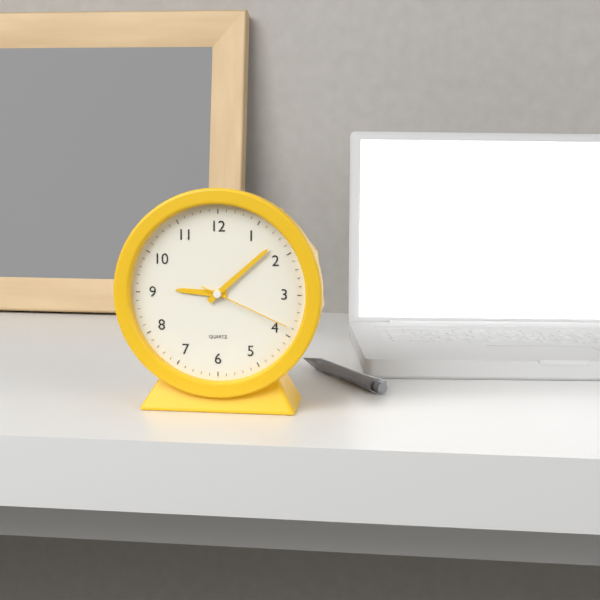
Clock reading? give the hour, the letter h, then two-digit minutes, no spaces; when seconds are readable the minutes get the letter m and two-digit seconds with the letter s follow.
9h08m19s
